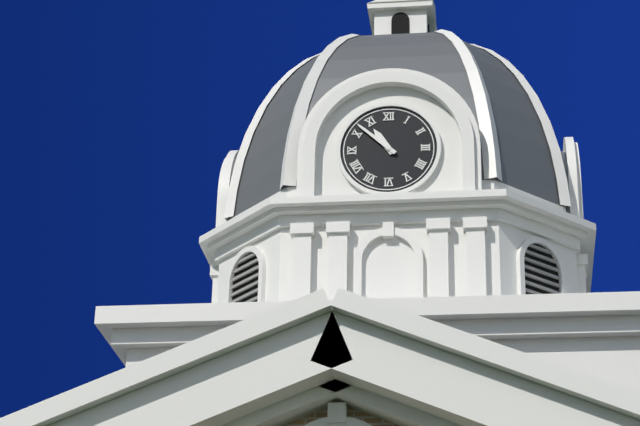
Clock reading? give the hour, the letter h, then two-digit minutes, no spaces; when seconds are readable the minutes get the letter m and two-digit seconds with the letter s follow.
10h52
